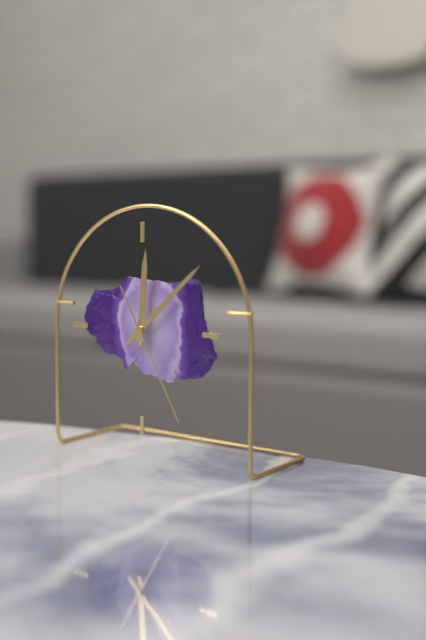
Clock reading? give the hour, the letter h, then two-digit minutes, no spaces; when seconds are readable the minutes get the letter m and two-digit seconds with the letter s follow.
12h08m25s
